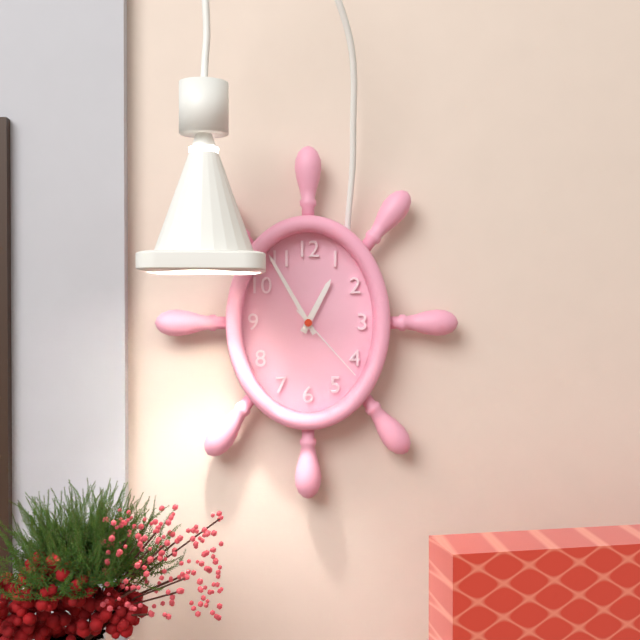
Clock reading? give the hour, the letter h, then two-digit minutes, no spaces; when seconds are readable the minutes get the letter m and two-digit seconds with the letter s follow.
12h55m23s
